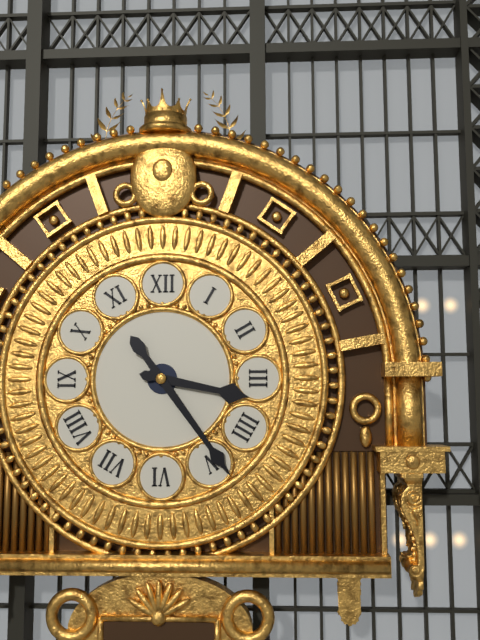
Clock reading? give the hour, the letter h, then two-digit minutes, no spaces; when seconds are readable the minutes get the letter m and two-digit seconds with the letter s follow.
3h24
